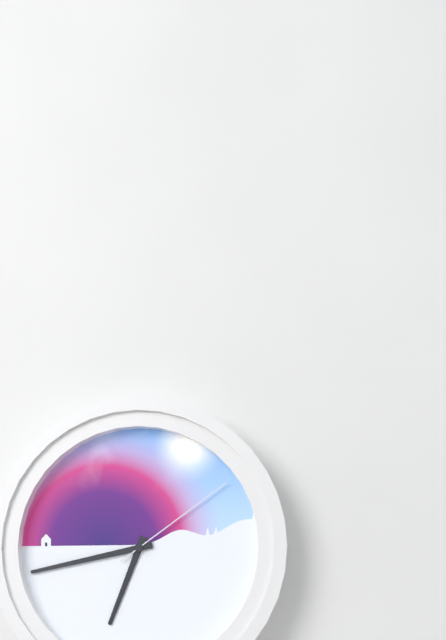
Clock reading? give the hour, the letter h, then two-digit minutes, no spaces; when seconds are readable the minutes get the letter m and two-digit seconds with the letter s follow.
6h43m09s
